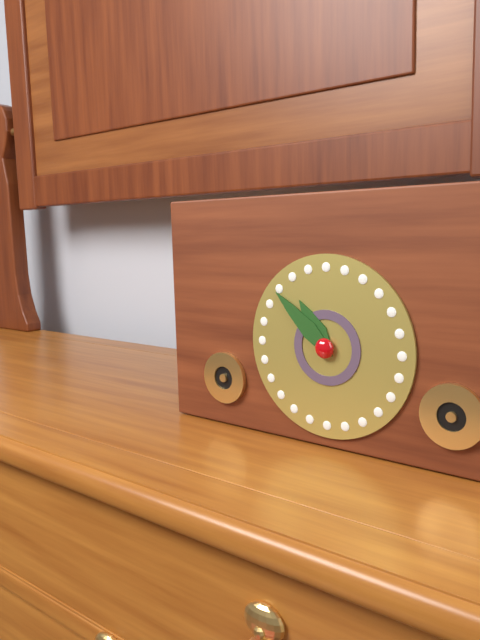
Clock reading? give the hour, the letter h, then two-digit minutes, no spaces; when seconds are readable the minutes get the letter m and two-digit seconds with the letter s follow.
10h52
